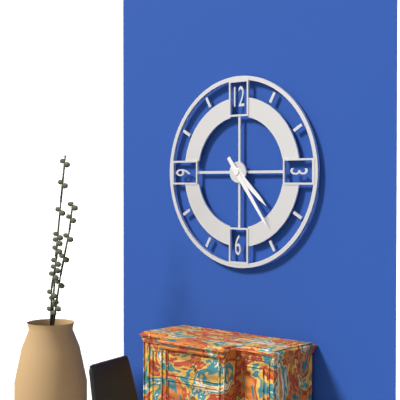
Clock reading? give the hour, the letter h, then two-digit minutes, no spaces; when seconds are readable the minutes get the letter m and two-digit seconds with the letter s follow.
4h24
